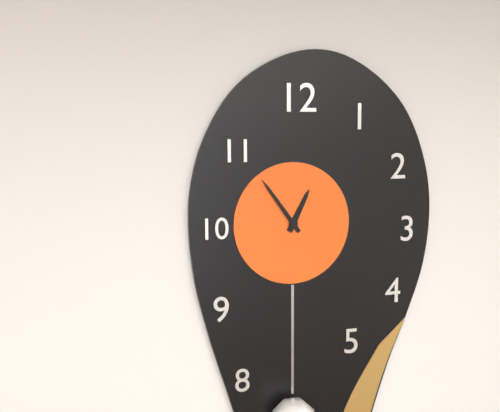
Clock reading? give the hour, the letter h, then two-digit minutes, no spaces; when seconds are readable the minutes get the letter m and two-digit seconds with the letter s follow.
12h54
